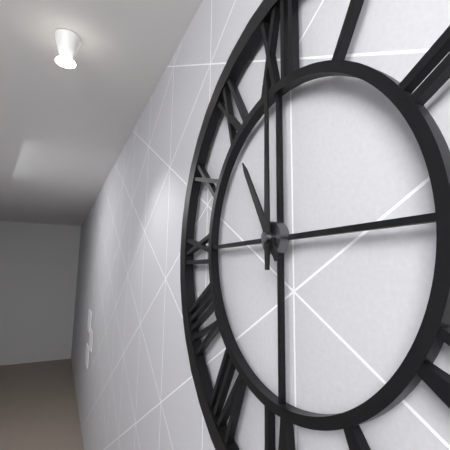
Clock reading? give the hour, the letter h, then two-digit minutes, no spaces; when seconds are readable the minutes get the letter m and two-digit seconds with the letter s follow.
11h00
